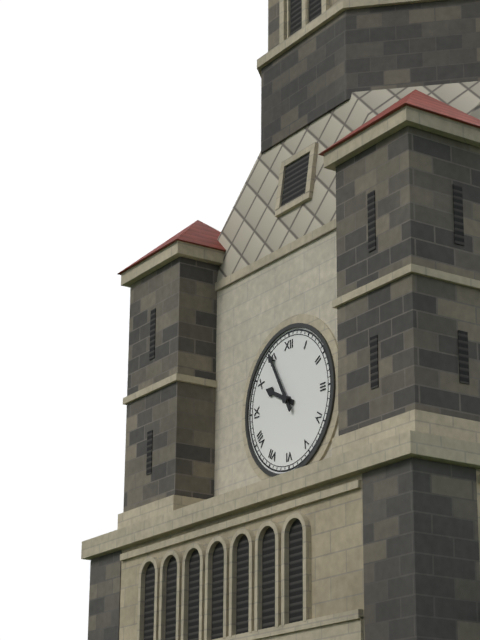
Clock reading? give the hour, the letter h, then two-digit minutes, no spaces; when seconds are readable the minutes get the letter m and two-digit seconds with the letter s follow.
9h55
